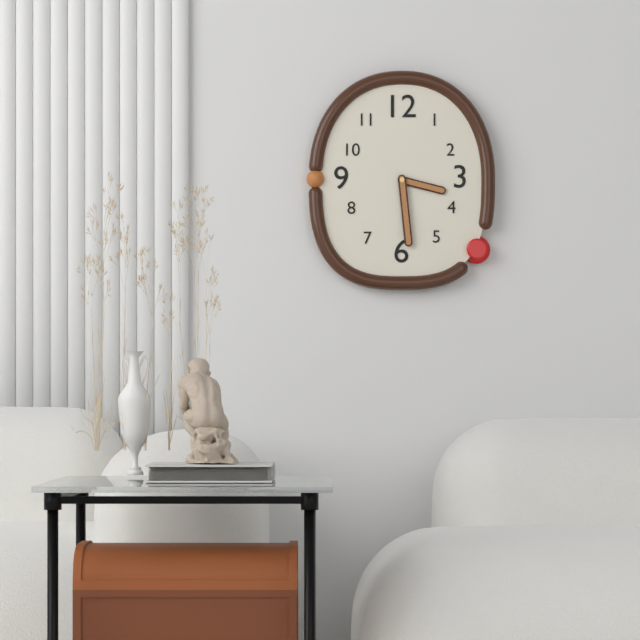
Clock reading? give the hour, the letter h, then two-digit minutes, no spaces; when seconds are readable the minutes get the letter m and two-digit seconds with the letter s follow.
3h29
